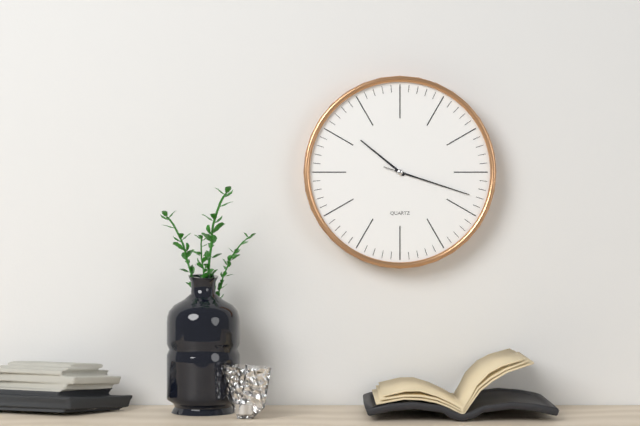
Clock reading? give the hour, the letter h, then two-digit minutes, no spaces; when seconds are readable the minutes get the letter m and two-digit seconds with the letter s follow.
10h18m18s
